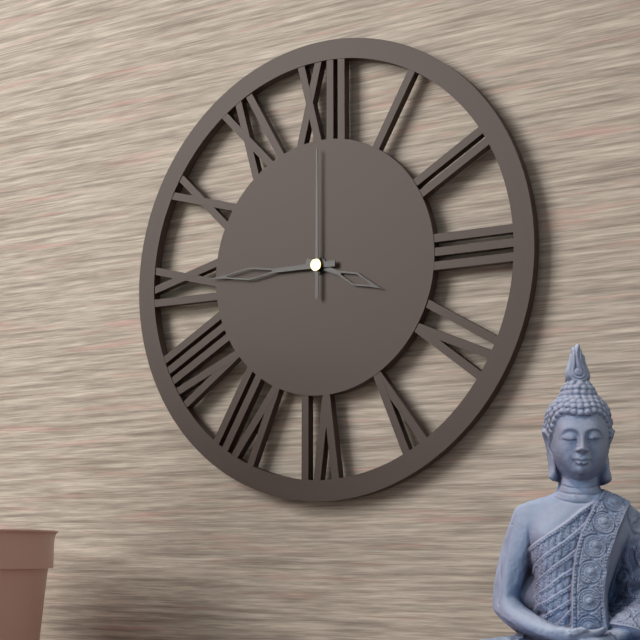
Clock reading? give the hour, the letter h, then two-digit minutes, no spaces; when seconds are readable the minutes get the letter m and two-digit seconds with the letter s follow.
3h45m00s
